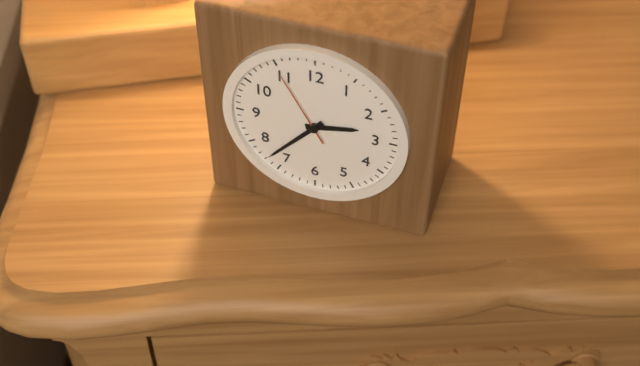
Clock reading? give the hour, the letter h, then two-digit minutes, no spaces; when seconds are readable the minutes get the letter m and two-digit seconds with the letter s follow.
2h37m55s
